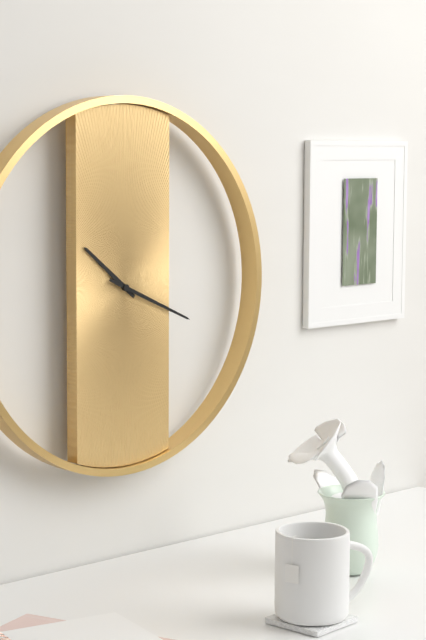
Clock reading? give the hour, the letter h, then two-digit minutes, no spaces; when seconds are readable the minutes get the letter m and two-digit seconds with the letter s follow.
10h19
